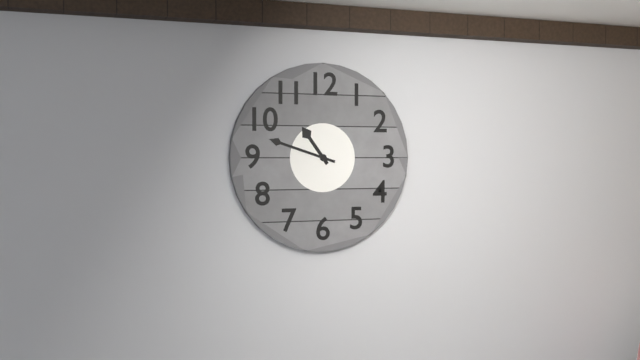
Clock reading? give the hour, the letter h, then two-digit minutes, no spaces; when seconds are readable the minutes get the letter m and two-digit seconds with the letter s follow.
10h48
